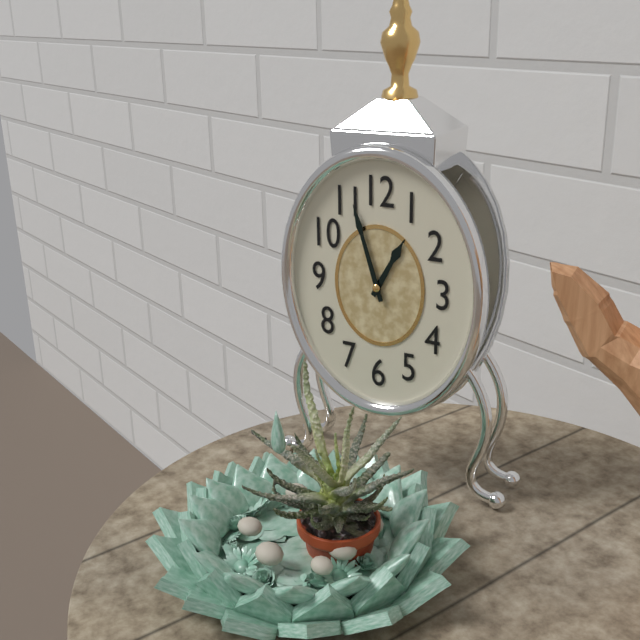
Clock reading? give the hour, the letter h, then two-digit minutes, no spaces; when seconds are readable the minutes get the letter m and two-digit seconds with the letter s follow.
12h57
